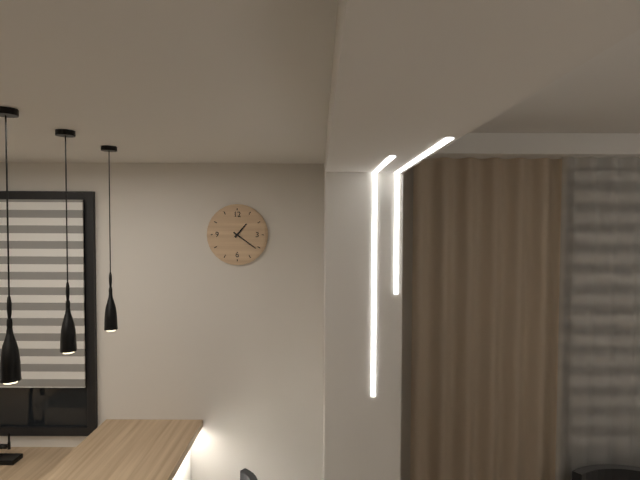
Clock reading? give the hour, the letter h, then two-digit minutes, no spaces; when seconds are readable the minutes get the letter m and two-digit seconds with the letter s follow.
1h21
